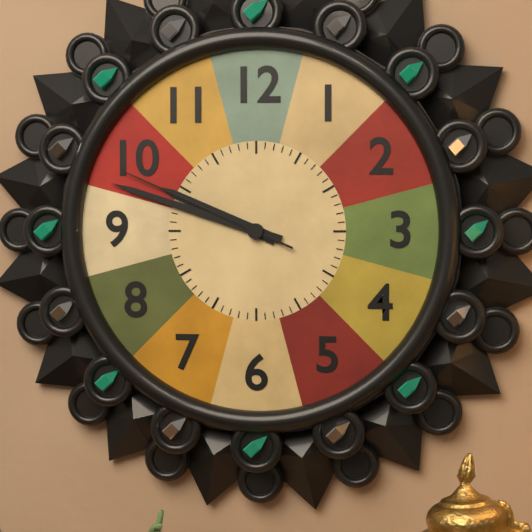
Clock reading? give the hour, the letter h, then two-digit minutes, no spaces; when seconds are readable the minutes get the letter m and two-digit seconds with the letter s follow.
9h48m49s
